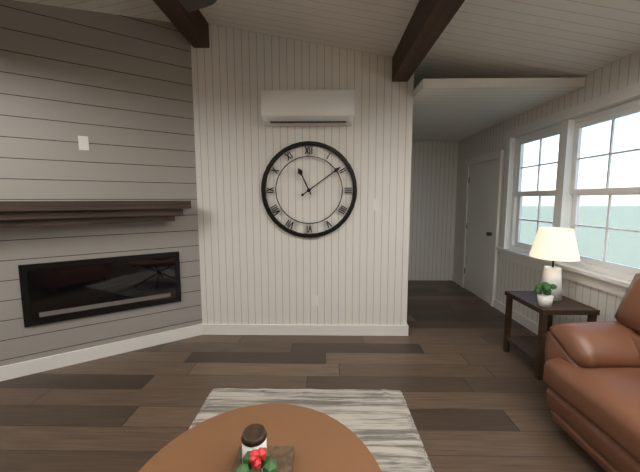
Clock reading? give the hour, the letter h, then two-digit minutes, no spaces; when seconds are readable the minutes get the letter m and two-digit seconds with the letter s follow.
11h09
